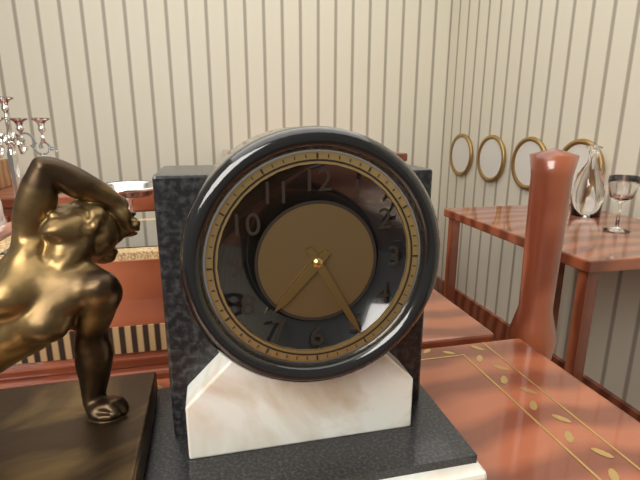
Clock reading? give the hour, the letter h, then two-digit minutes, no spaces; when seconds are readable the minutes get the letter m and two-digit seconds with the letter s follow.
7h25
